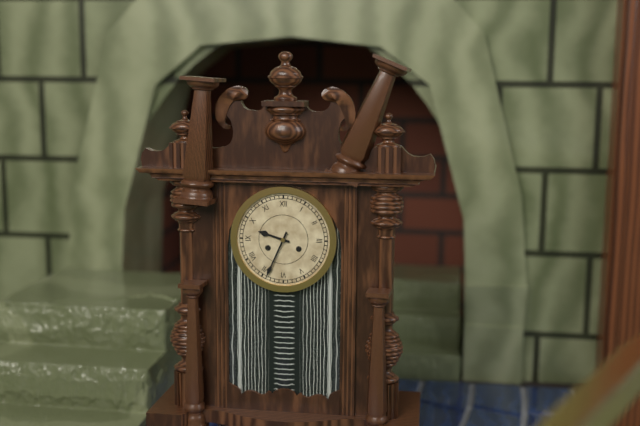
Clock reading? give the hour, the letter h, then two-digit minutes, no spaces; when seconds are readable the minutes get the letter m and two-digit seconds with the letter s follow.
9h34
